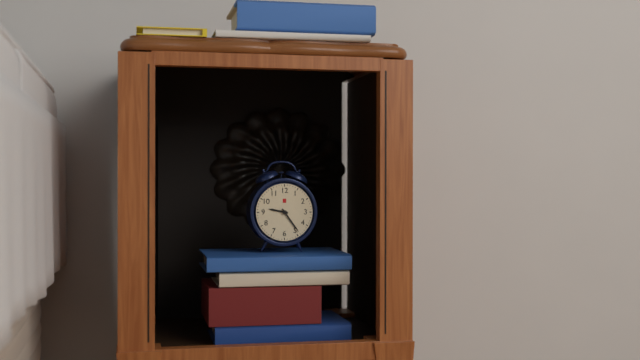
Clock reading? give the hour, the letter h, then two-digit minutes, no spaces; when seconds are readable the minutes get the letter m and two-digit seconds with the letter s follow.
9h24
